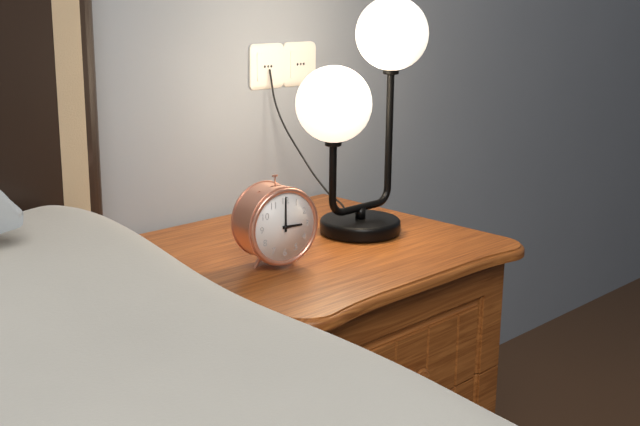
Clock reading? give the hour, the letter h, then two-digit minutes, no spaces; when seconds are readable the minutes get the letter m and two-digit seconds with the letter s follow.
3h00
